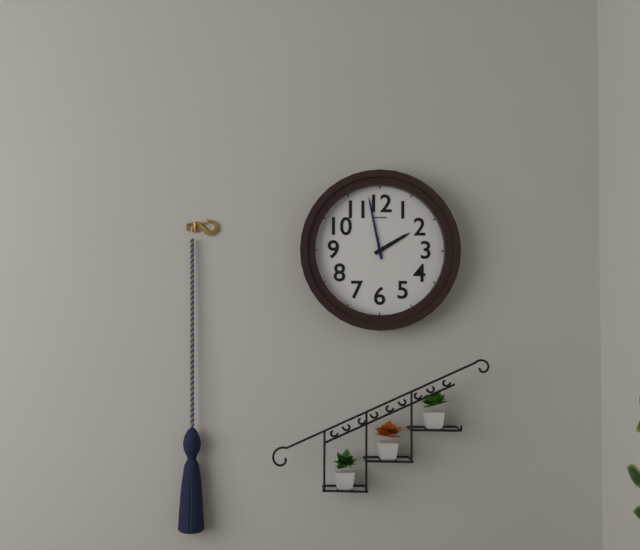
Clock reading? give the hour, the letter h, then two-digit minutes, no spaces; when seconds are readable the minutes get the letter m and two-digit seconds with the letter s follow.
1h58
